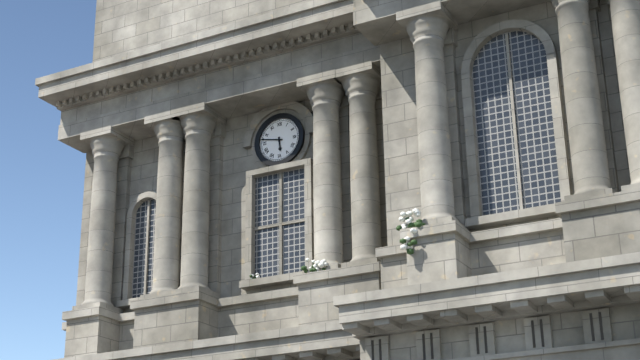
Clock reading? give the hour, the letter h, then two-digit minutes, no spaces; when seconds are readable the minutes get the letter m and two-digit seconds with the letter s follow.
5h47
